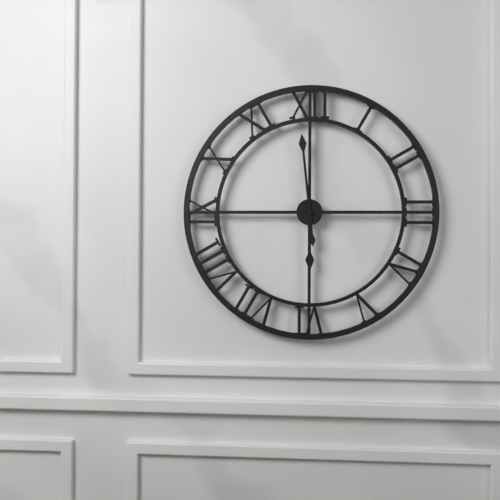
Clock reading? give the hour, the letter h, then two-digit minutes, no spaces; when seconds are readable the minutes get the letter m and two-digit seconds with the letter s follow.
5h59
